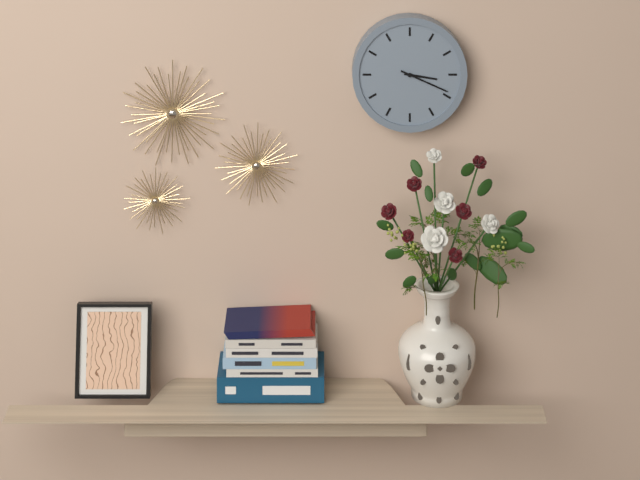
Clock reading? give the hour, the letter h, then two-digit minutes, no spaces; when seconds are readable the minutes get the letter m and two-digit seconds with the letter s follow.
3h19
